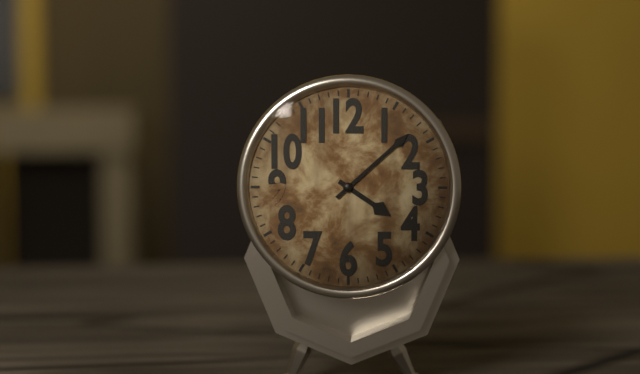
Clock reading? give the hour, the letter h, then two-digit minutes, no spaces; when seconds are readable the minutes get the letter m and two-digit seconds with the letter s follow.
4h08
